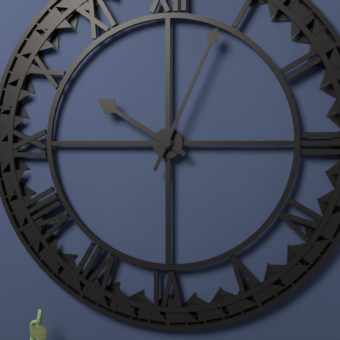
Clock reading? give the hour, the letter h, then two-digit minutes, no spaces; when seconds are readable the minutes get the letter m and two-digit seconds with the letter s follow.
10h04
